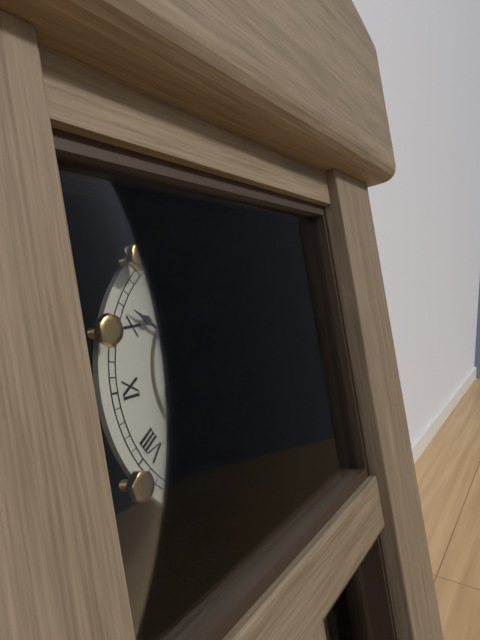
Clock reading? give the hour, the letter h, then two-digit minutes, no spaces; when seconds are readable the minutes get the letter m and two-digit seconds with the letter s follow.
5h51
